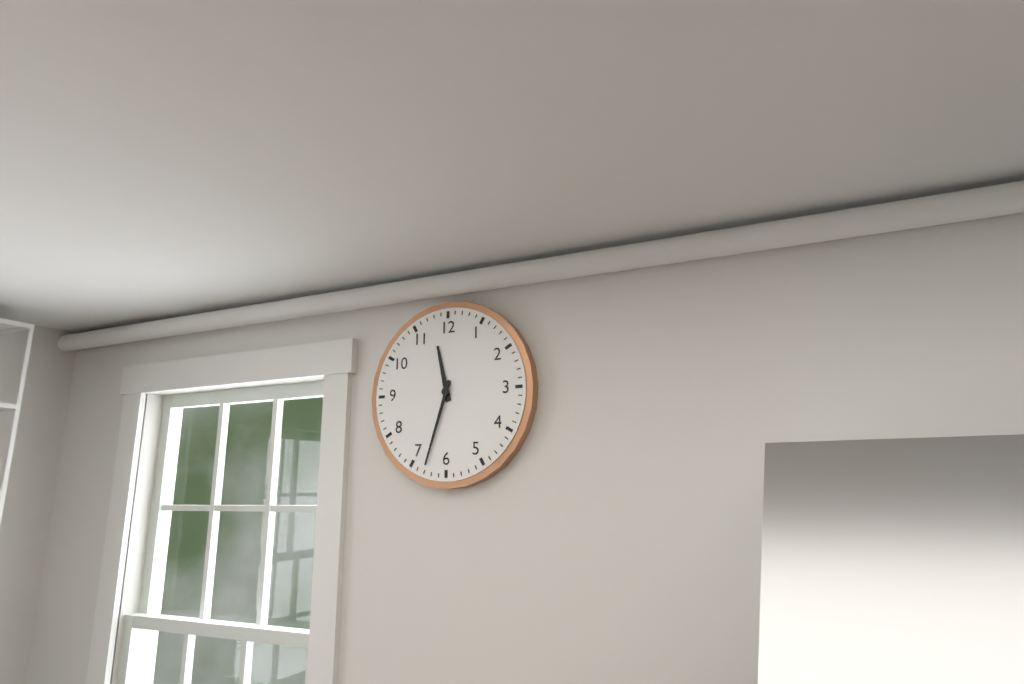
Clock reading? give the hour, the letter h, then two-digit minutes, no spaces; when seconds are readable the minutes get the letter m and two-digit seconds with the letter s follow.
11h33
